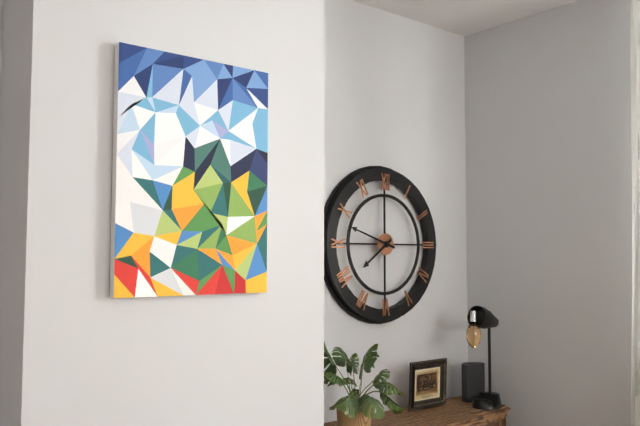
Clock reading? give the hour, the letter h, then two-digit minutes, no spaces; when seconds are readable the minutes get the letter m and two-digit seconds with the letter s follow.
7h48
